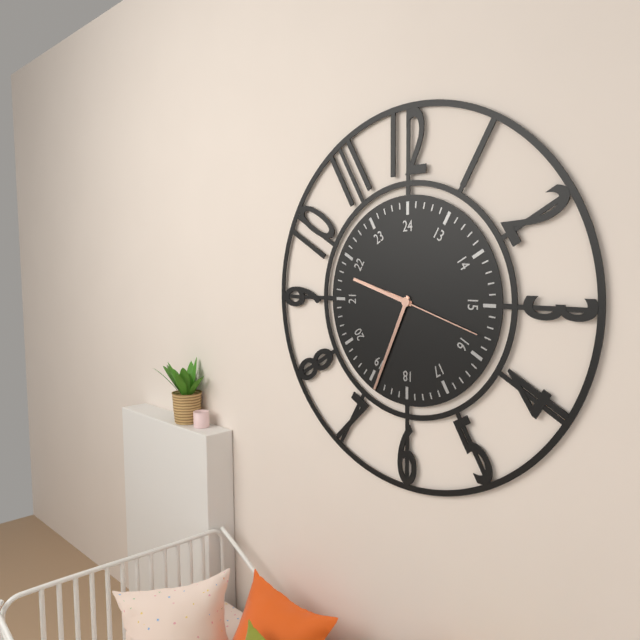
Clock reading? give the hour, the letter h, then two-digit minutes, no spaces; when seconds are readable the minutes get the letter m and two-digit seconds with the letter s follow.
9h34m18s
